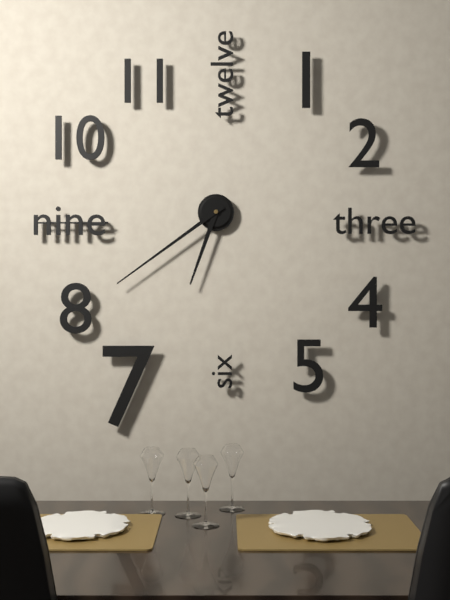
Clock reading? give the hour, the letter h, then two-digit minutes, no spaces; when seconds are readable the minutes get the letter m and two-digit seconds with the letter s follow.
6h39
